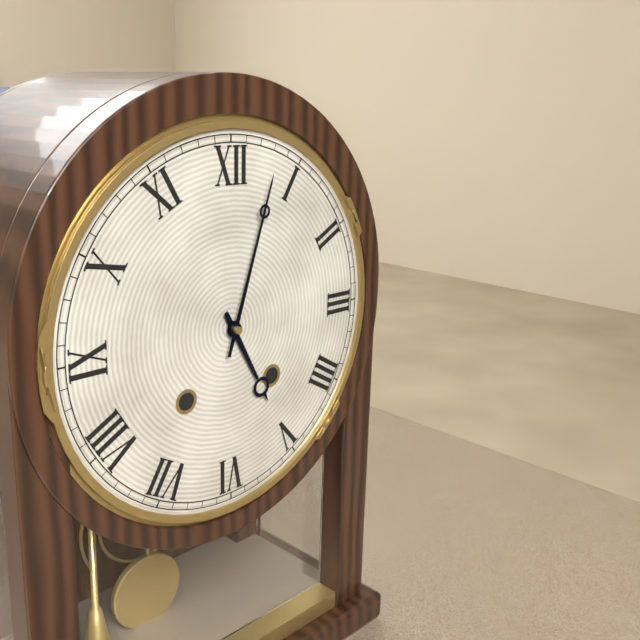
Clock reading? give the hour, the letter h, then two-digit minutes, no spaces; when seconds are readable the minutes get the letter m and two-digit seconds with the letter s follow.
5h03
